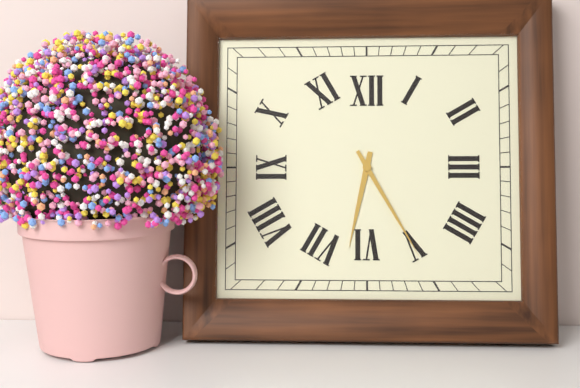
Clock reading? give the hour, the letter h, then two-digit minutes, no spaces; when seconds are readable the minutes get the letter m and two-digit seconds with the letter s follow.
6h25
